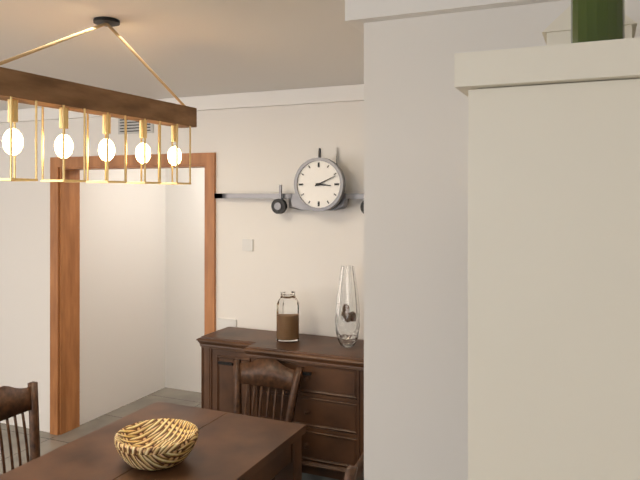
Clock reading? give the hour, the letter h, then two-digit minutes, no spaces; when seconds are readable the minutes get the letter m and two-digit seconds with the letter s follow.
3h11
